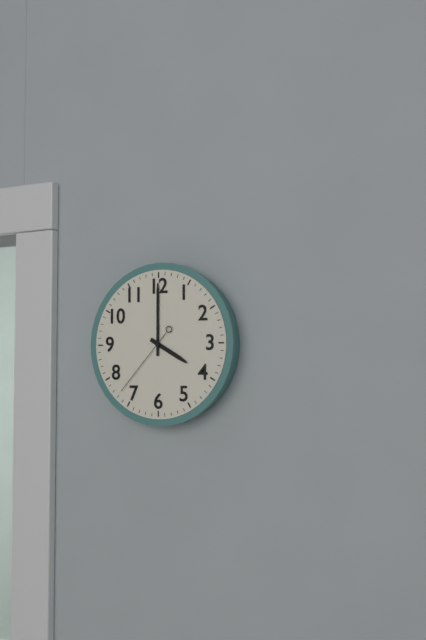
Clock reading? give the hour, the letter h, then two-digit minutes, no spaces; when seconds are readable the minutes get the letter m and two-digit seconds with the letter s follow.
4h00m37s
